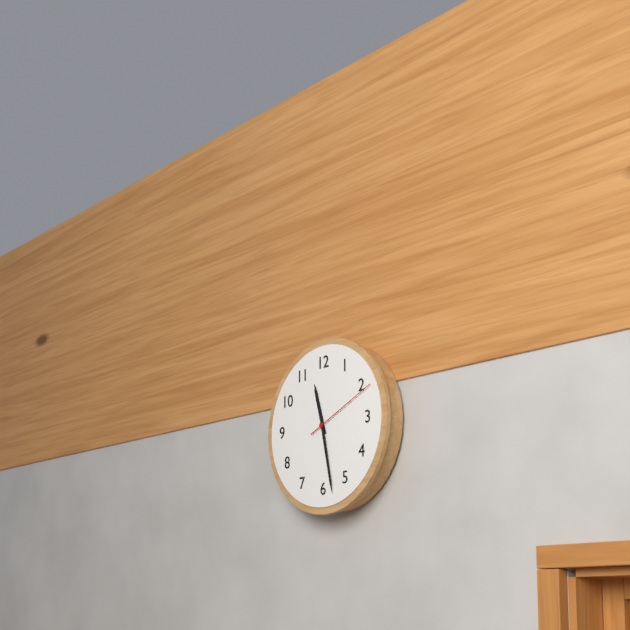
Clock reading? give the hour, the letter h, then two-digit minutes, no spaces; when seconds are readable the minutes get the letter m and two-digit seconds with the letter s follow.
11h28m11s
